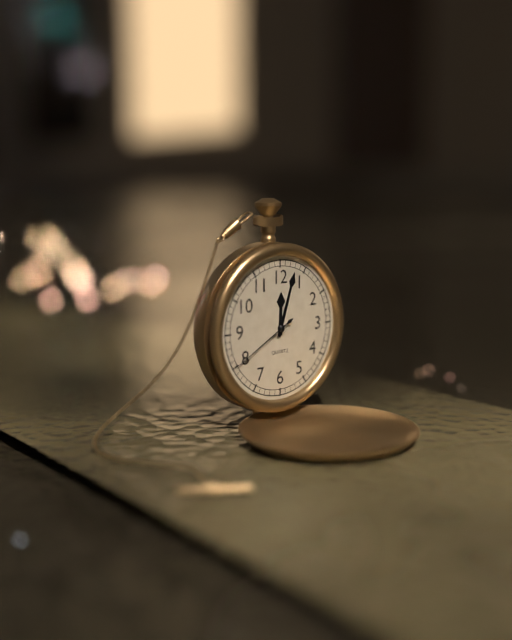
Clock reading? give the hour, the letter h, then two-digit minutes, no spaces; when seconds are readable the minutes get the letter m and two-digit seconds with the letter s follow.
12h03m40s
